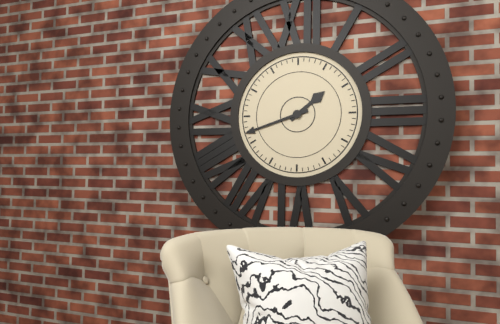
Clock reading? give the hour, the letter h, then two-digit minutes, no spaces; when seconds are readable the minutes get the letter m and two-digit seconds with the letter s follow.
1h42
